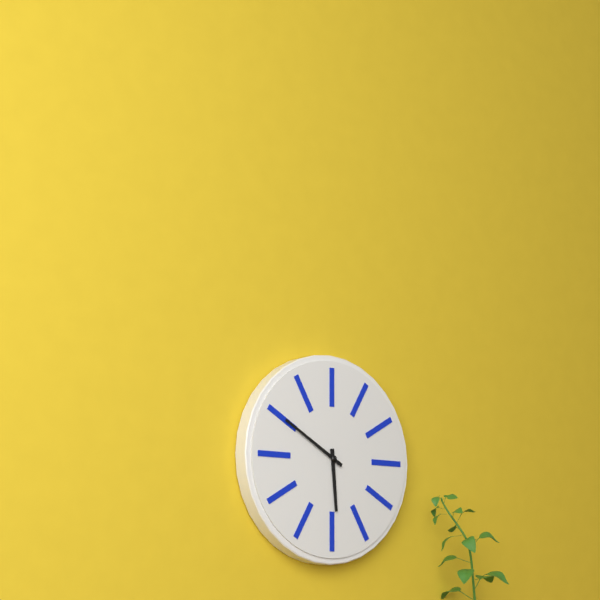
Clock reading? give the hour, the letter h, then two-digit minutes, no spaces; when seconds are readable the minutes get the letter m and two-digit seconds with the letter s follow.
5h50
